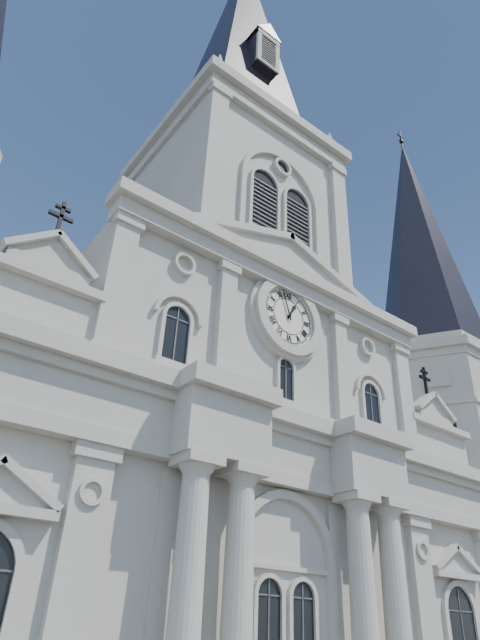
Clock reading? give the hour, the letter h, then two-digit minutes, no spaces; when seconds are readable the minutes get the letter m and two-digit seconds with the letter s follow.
12h57
